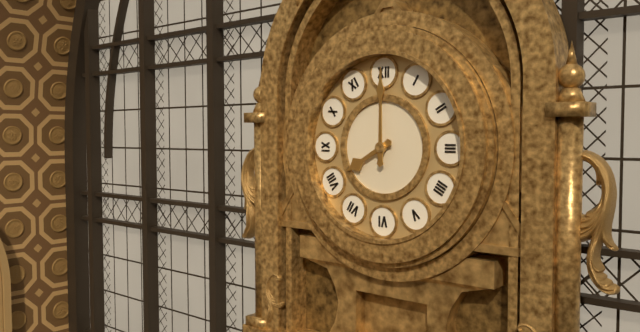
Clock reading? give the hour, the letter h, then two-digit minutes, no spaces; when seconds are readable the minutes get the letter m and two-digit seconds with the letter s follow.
8h00
